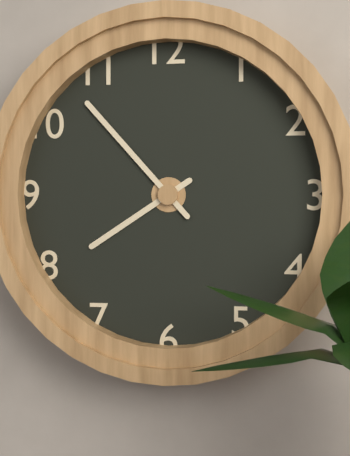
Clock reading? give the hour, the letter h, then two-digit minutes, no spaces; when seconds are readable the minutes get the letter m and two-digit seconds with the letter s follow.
7h53
